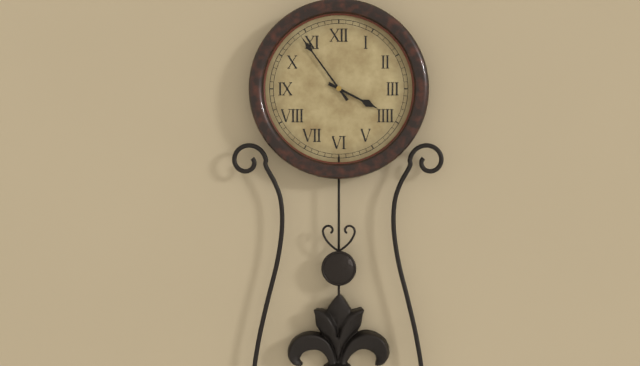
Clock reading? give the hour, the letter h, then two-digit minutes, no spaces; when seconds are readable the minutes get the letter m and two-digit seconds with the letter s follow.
3h54
